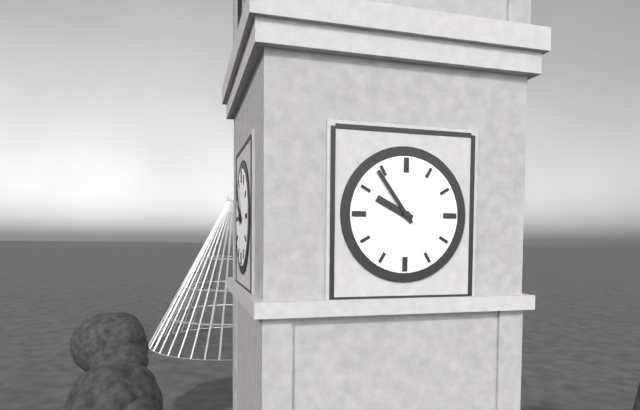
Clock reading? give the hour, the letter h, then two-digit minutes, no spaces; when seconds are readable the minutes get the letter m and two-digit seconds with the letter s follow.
9h54
